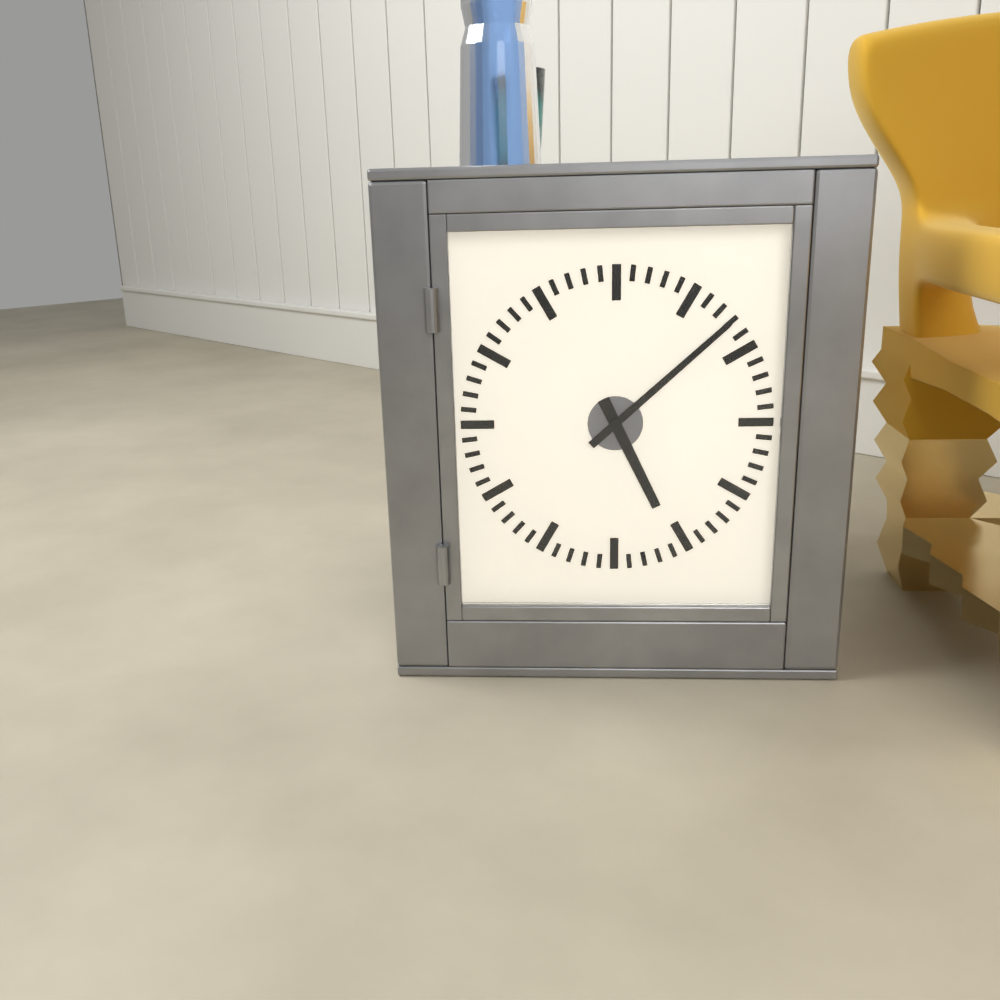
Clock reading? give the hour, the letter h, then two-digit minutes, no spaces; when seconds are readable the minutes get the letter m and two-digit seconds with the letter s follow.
5h08
